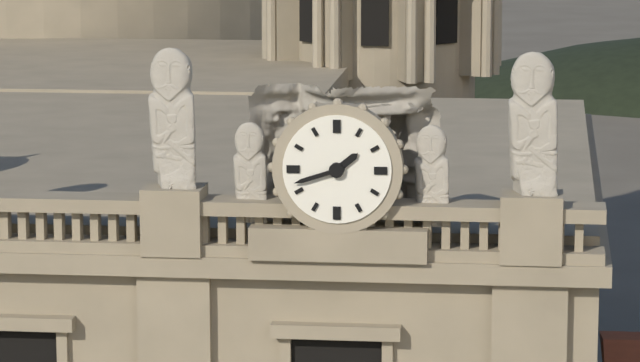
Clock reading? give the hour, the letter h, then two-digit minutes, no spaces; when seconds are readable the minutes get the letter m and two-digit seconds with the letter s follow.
1h42
